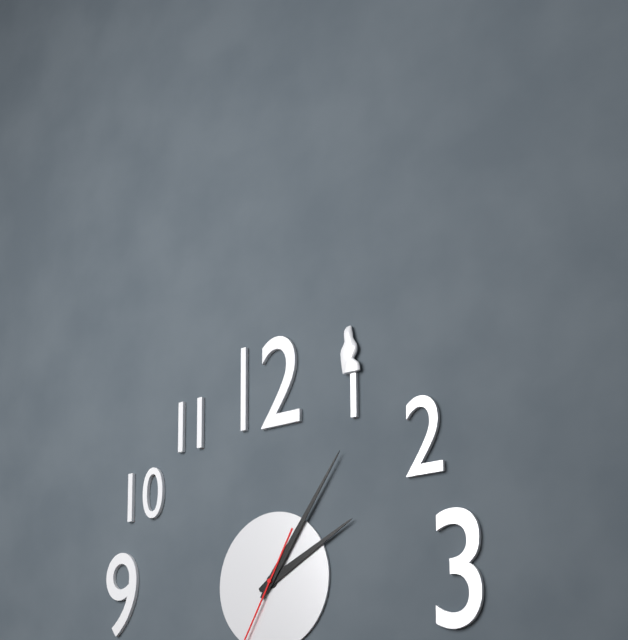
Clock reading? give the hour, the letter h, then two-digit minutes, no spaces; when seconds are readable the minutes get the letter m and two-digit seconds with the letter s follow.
2h06
